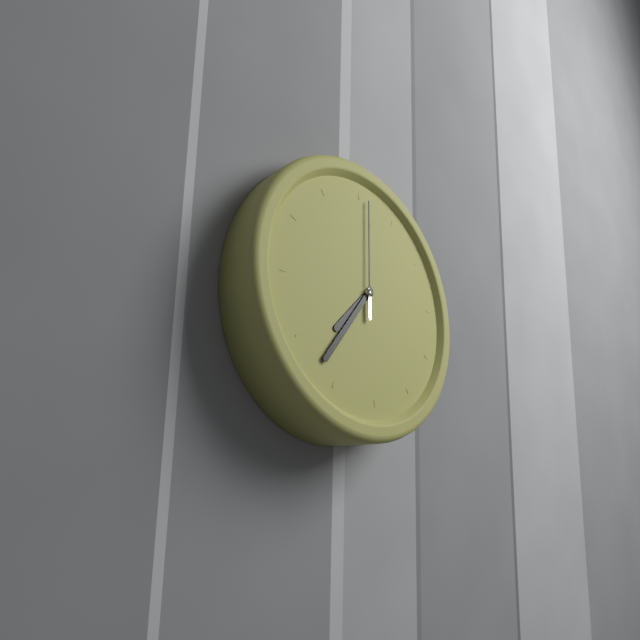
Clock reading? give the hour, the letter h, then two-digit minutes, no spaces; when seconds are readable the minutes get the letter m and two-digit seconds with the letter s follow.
7h37m01s
